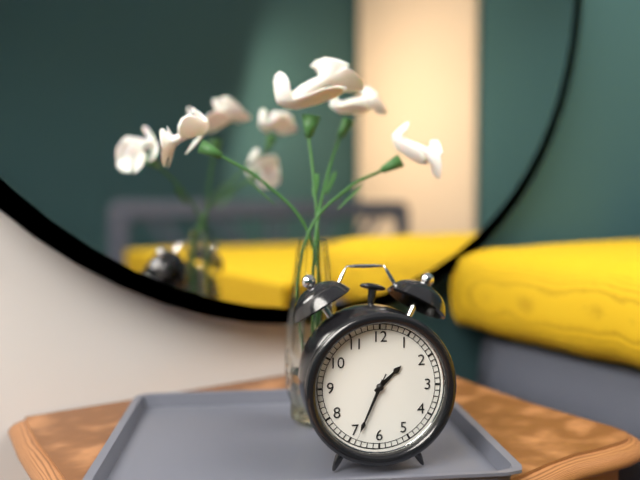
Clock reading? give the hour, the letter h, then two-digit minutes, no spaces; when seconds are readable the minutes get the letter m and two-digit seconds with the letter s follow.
1h34m34s
